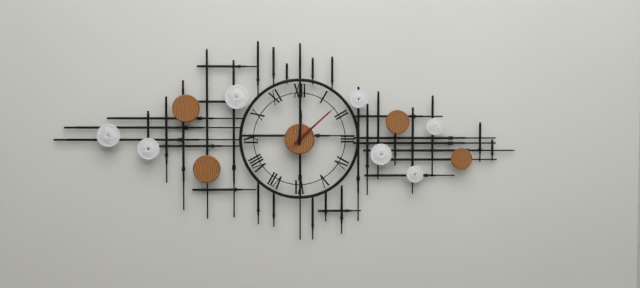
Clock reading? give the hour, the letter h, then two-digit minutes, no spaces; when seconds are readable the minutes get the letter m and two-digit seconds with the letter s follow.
12h08m08s
